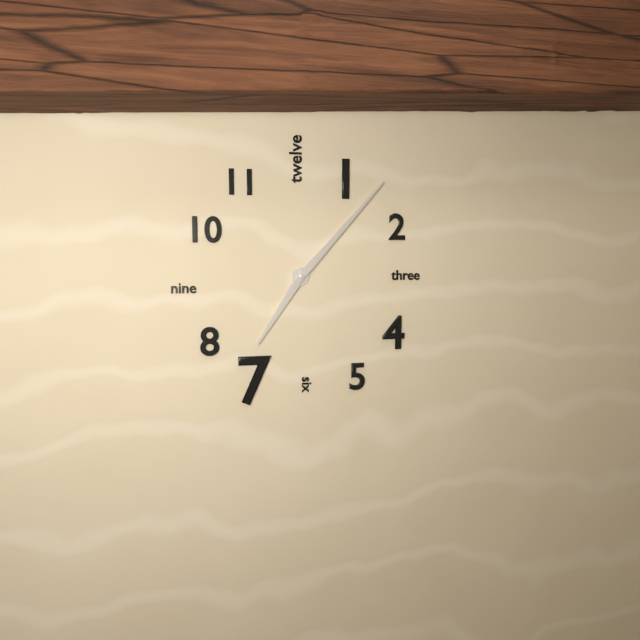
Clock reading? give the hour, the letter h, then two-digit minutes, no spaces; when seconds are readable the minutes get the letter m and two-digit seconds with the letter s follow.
7h07
